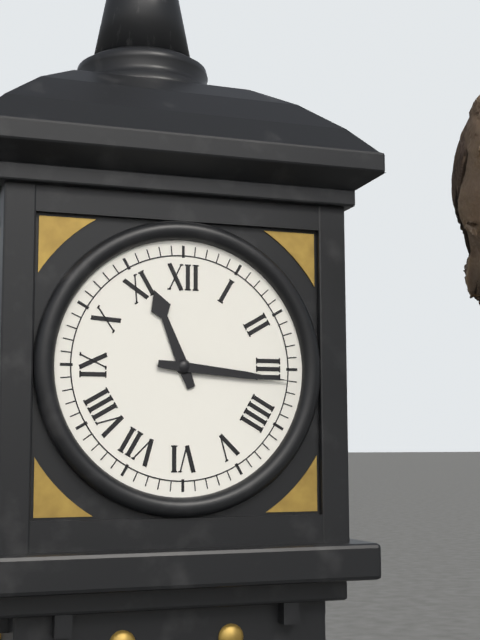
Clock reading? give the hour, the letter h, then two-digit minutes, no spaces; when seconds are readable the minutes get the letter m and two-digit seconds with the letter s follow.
11h16
